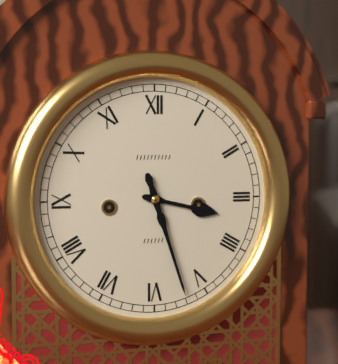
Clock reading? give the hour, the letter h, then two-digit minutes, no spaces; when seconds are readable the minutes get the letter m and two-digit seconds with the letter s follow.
3h27
